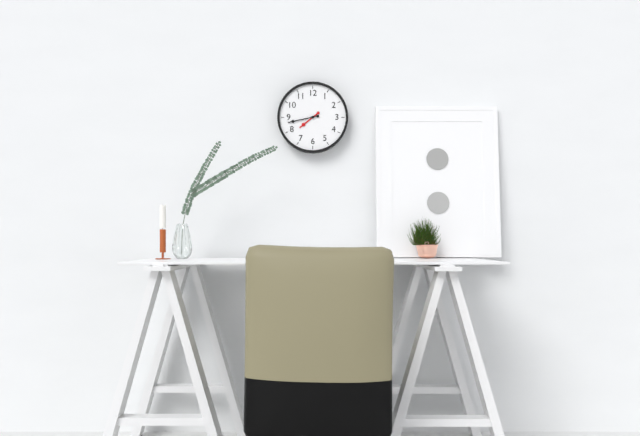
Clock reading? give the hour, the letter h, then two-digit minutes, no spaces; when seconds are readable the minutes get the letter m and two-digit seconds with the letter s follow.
7h43
